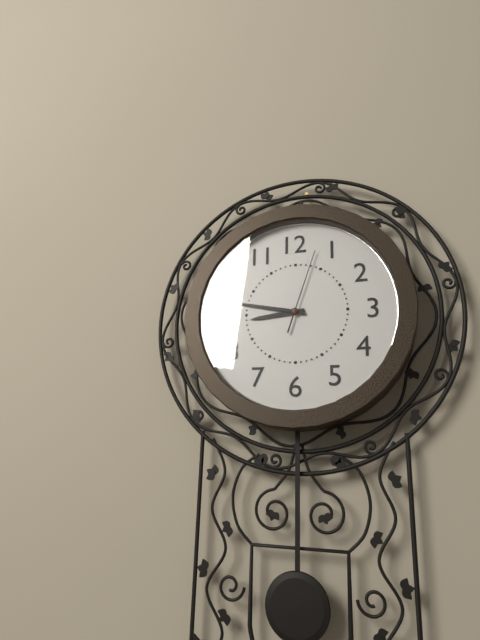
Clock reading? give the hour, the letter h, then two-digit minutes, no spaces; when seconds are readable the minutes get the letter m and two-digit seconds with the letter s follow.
8h47m03s
